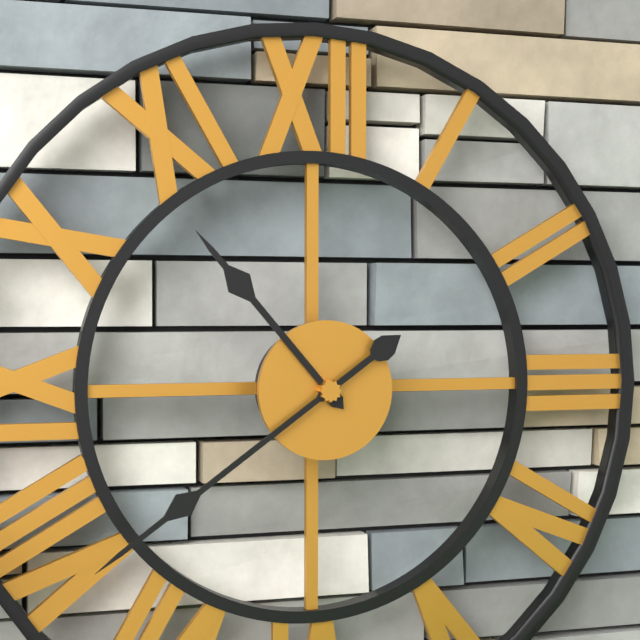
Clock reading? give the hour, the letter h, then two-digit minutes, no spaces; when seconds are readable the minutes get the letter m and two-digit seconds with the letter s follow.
10h39
